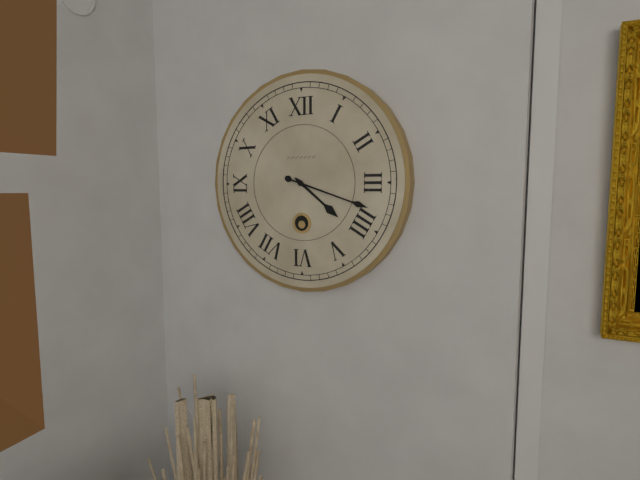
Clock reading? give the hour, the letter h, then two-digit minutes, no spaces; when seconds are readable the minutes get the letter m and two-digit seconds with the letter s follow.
4h18
